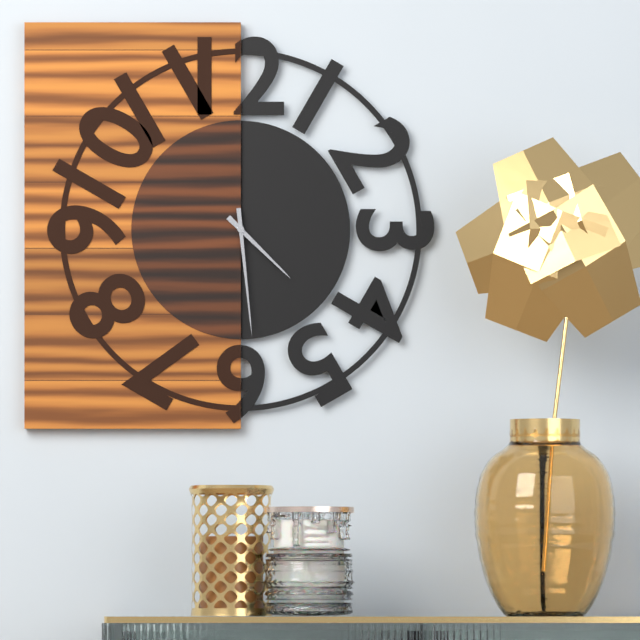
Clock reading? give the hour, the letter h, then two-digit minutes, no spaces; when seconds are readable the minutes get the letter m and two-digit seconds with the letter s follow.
4h29
